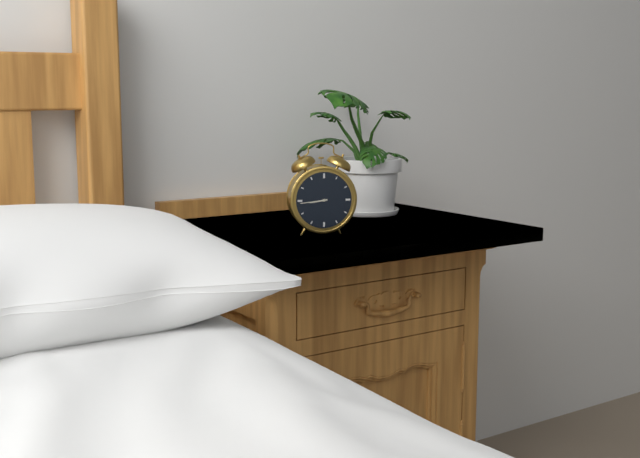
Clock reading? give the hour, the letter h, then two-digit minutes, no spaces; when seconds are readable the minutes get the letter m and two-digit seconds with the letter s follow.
8h44
